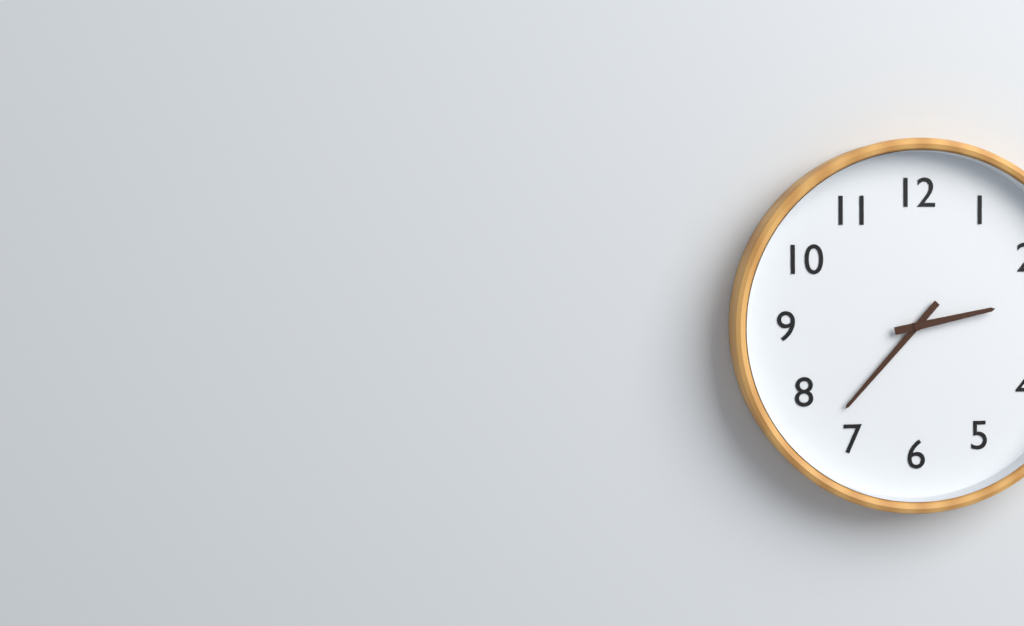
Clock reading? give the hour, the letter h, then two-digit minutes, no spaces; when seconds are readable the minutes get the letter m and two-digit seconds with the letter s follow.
2h37
